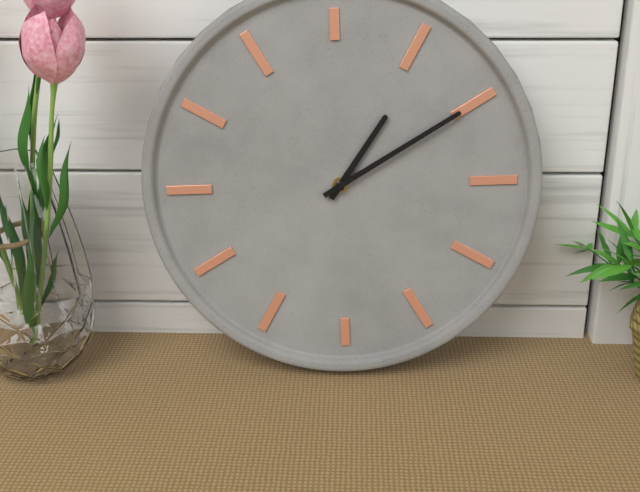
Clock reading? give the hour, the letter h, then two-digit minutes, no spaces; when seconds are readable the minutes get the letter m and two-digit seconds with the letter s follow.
1h10
